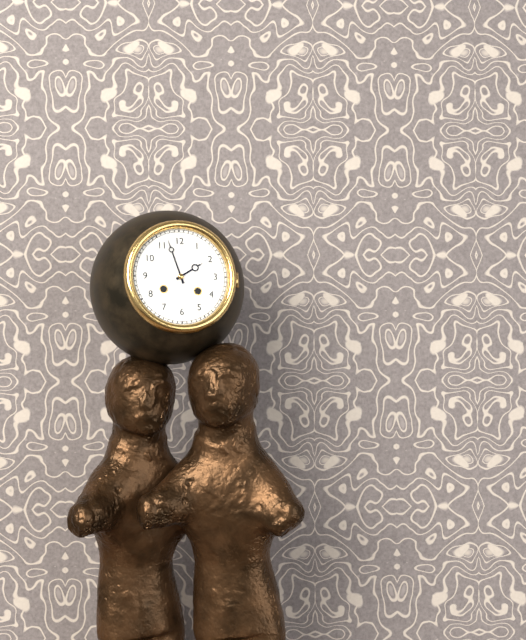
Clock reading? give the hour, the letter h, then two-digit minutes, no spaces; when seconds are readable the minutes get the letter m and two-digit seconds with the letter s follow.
1h57
